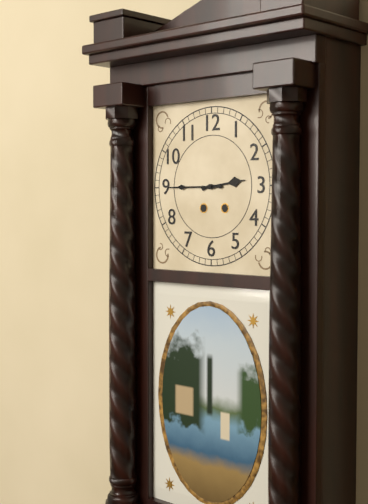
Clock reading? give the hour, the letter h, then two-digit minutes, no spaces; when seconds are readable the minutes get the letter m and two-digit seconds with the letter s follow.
2h45
